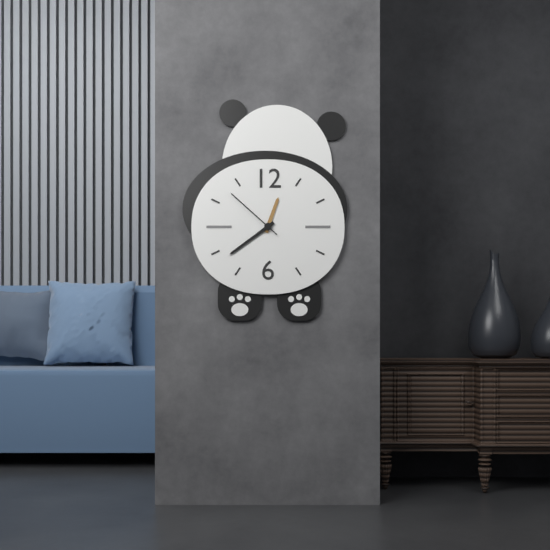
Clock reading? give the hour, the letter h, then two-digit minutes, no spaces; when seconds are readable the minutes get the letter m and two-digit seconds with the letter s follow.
12h39m52s
